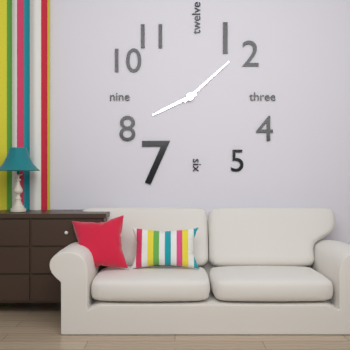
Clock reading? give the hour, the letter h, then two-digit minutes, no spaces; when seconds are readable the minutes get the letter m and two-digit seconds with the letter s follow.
8h08
